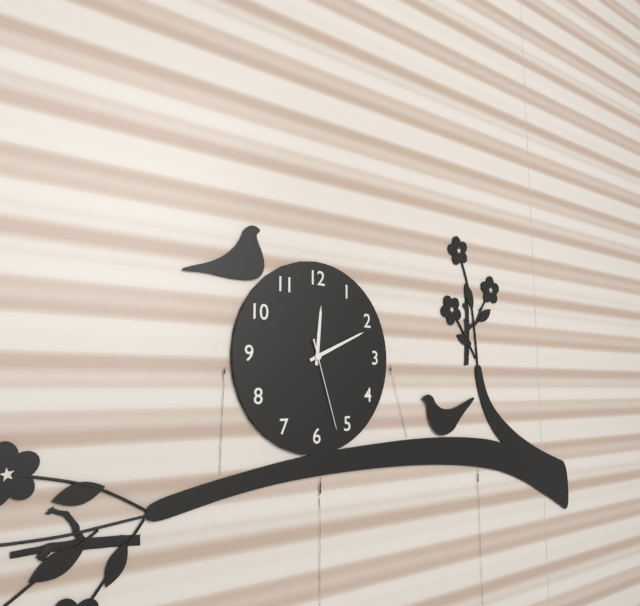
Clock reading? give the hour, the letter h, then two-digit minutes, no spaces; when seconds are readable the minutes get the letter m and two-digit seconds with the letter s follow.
12h11m27s
